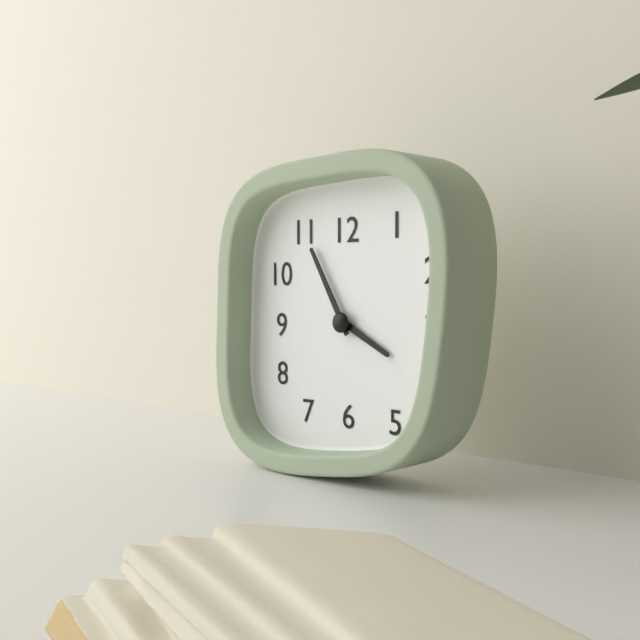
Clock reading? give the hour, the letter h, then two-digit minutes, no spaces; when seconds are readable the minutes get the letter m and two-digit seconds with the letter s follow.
3h55
